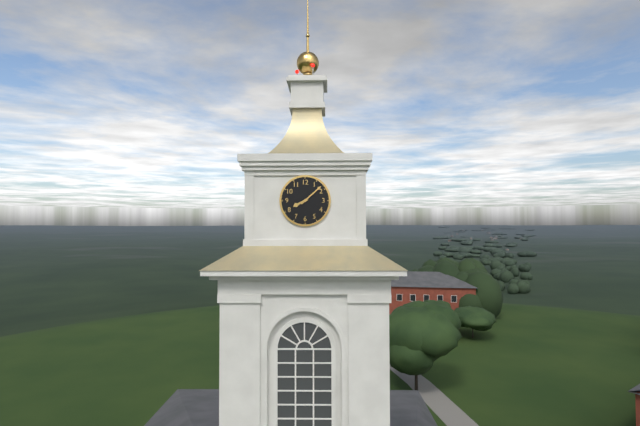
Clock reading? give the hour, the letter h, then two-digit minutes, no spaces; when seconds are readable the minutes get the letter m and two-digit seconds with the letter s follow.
8h08
